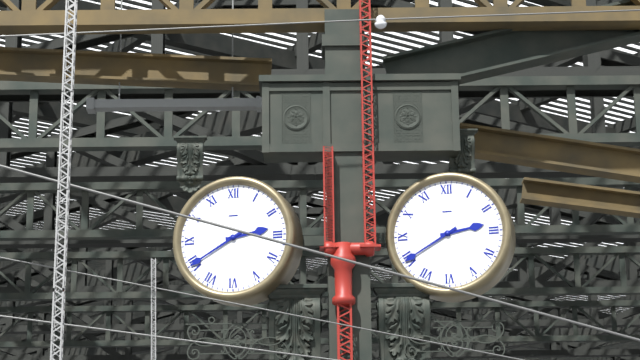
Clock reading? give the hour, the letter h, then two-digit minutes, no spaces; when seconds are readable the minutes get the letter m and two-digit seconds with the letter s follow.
2h40
